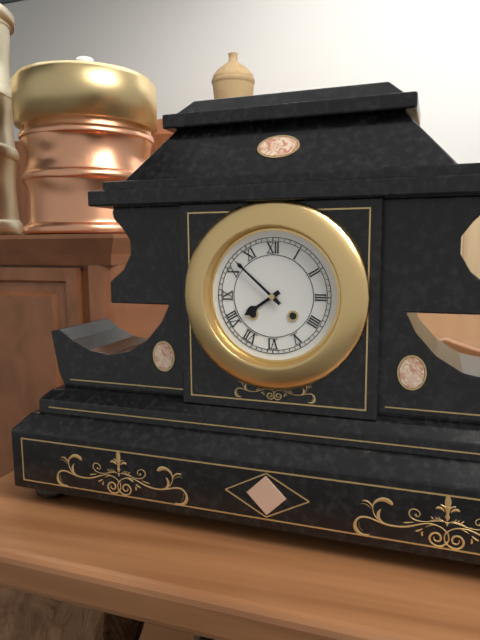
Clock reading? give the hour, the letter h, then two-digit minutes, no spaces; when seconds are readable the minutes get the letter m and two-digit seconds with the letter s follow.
7h52
